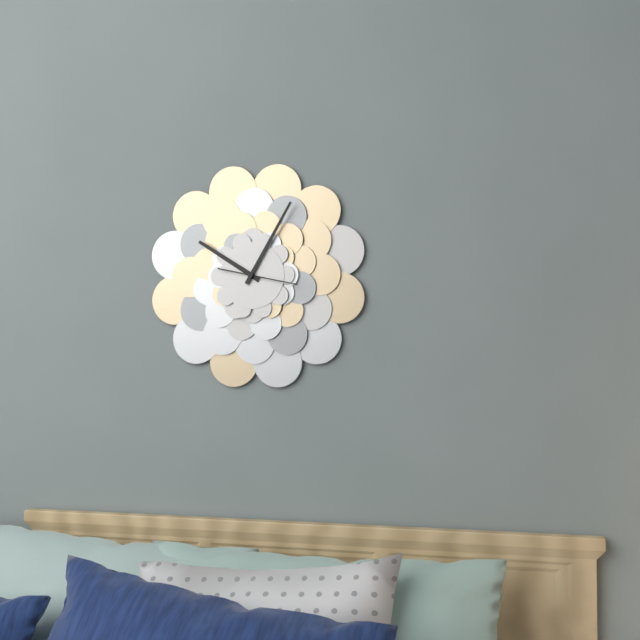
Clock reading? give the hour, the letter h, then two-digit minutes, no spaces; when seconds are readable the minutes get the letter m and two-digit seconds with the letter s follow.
10h05m17s
